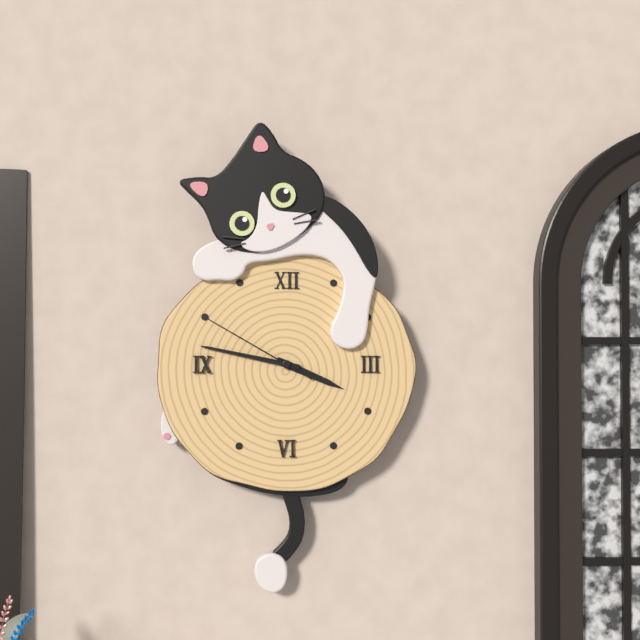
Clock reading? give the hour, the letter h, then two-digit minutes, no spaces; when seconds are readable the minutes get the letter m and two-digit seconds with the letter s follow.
3h47m50s
